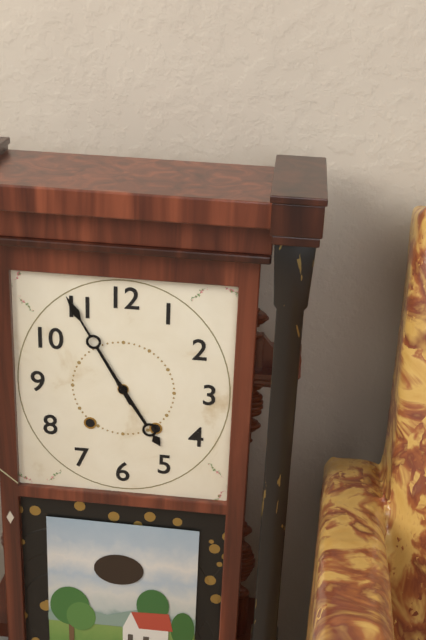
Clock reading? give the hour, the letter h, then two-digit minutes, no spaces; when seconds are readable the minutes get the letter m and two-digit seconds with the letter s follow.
4h55
